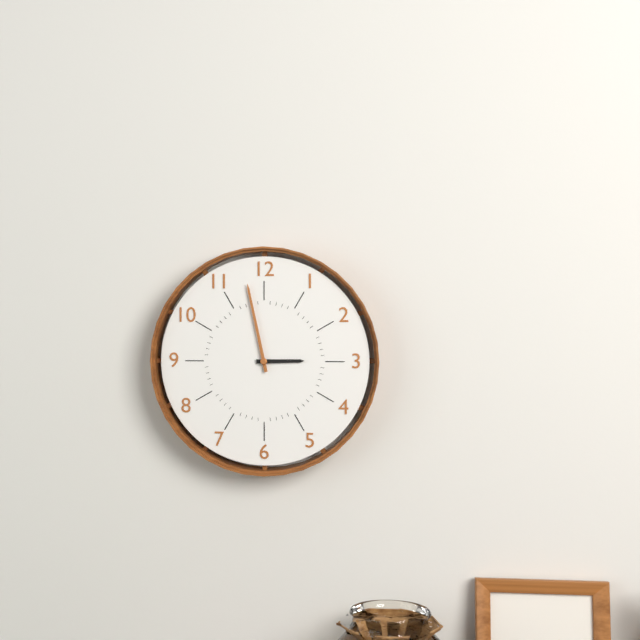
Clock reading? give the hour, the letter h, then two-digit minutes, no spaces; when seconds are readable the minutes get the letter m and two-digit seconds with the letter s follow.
2h58
